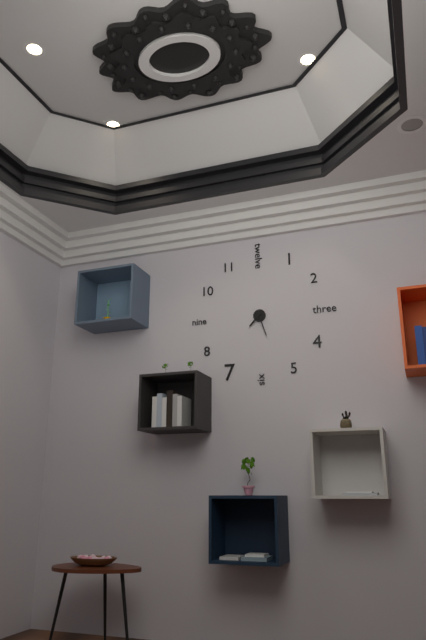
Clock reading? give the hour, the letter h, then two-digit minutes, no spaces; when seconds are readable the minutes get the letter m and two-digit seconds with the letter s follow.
7h27
